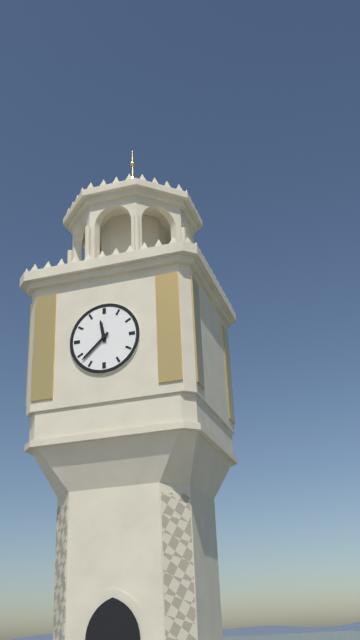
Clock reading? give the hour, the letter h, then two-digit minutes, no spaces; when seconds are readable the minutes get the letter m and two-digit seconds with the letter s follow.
11h38
